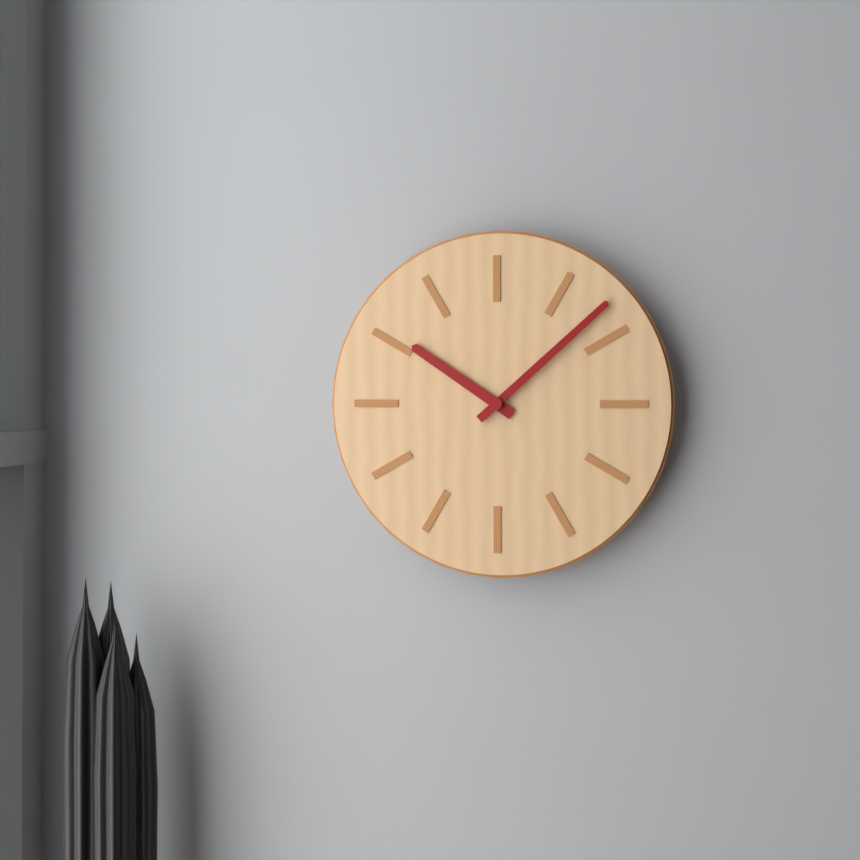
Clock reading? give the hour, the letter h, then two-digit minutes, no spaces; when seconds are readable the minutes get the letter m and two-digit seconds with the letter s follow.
10h08
